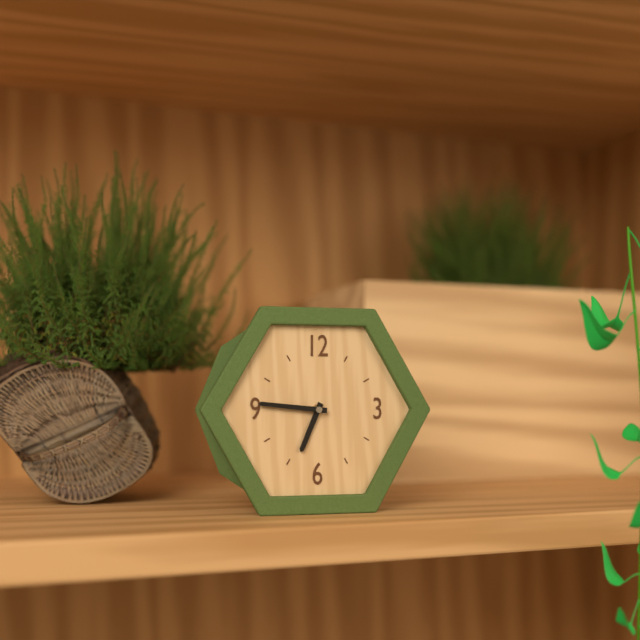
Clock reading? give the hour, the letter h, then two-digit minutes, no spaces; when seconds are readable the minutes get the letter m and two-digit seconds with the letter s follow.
6h46
